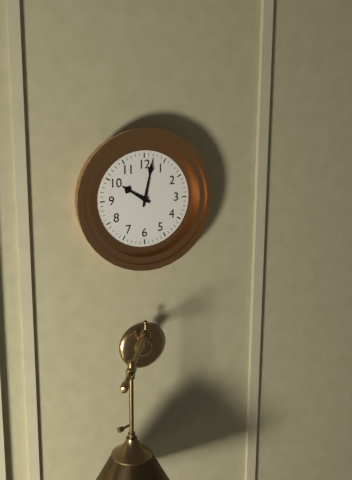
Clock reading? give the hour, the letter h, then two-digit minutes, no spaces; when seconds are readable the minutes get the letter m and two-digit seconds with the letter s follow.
10h02
